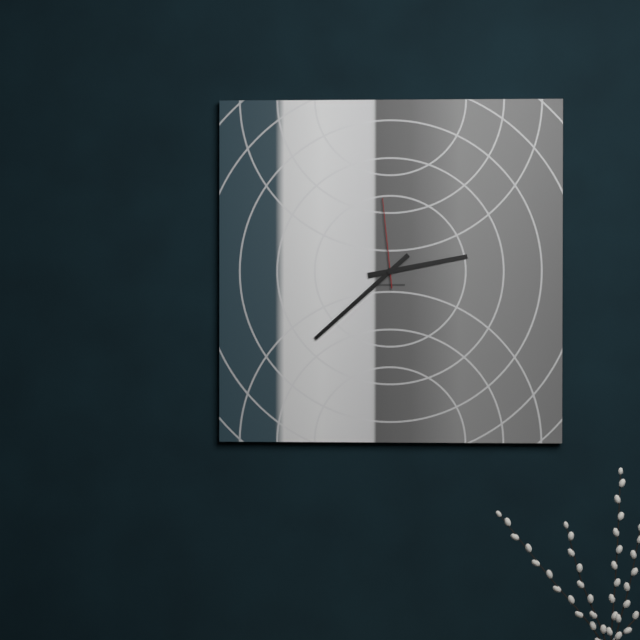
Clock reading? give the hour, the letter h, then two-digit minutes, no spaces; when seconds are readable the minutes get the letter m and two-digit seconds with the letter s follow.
2h38m59s
